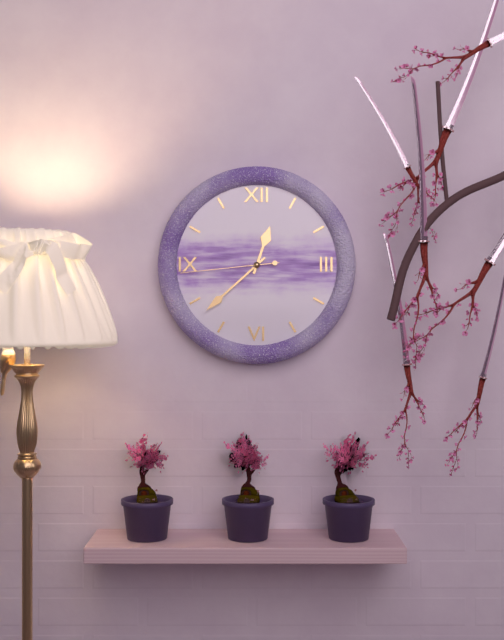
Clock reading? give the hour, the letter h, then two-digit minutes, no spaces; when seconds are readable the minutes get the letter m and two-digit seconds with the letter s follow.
12h38m44s
